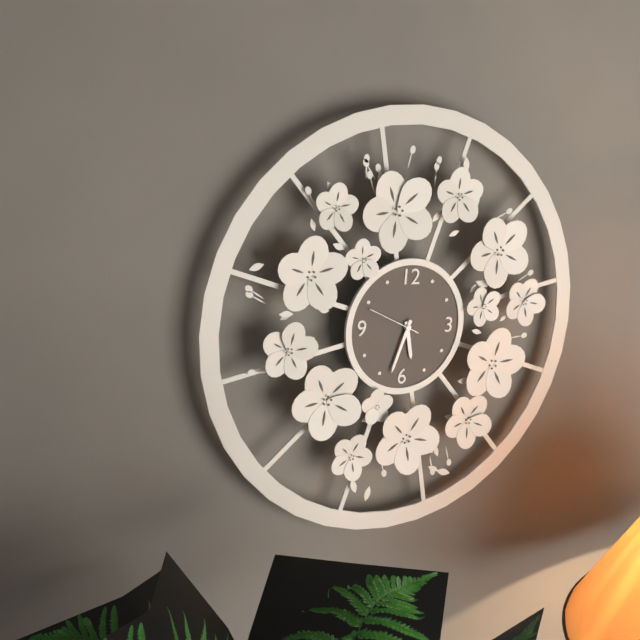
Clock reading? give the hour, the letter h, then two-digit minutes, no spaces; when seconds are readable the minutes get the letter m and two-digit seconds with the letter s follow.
5h33m49s
